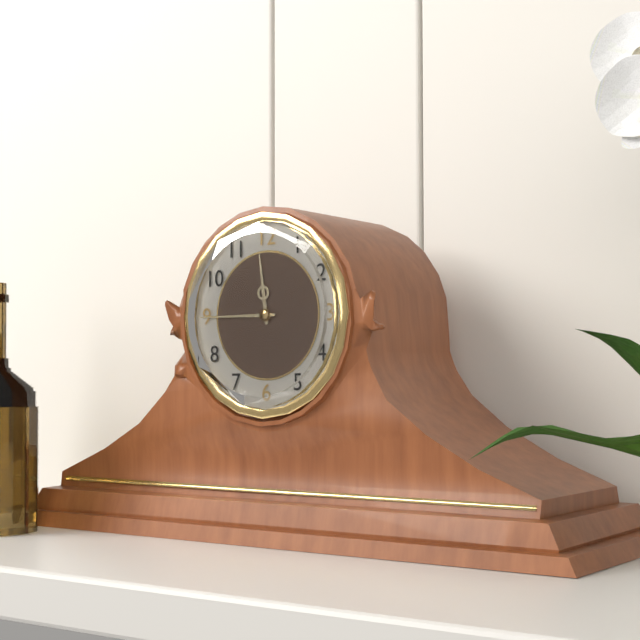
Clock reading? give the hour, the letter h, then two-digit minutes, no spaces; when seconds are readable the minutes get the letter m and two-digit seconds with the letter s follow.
11h45
